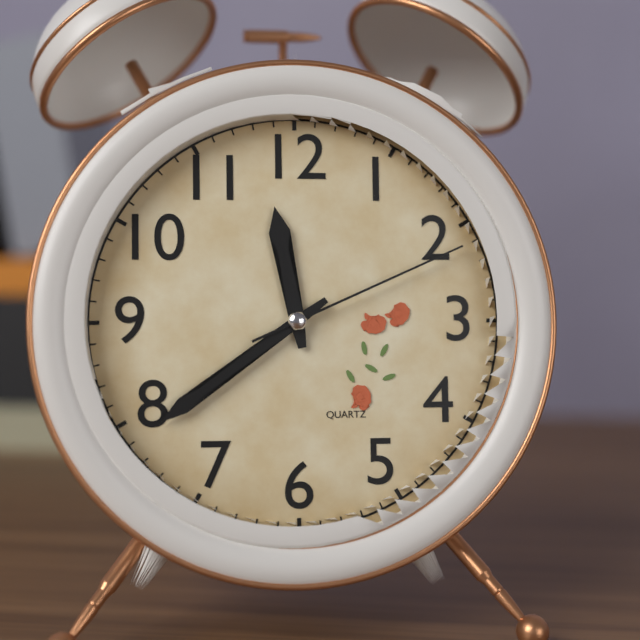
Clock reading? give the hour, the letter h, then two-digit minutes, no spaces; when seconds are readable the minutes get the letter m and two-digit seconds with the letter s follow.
11h39m11s
